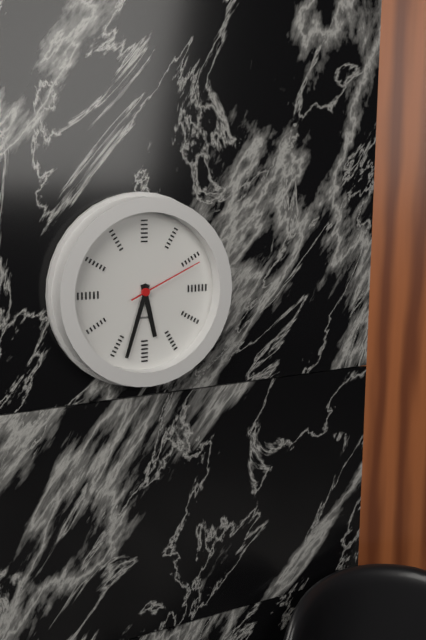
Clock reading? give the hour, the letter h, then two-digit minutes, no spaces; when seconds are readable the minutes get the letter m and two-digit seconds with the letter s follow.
5h33m11s
